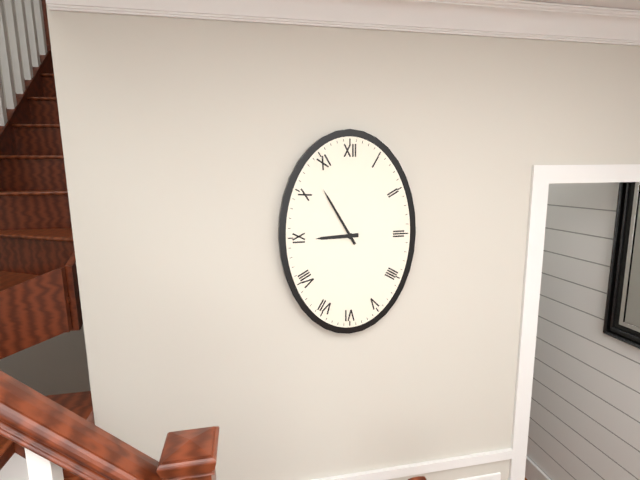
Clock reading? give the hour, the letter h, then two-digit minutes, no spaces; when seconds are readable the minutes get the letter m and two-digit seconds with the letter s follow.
8h55
